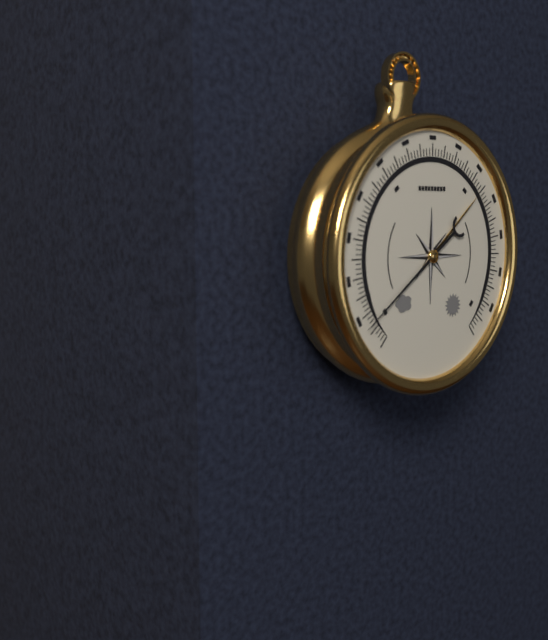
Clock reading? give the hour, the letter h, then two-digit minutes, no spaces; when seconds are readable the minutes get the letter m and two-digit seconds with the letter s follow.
1h39
